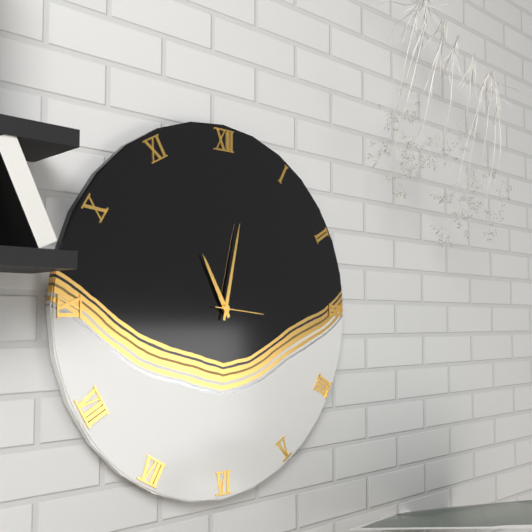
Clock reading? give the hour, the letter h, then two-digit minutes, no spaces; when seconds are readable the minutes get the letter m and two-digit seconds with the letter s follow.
11h02m16s
